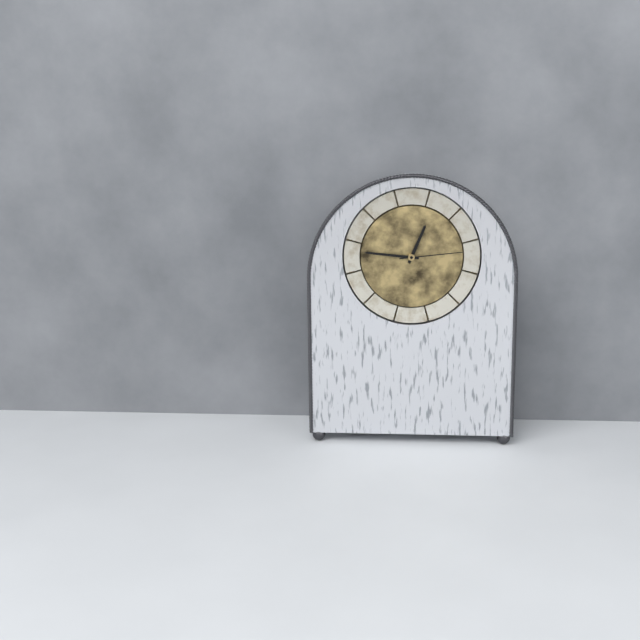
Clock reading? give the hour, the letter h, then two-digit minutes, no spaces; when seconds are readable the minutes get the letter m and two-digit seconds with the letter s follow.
12h46m14s
